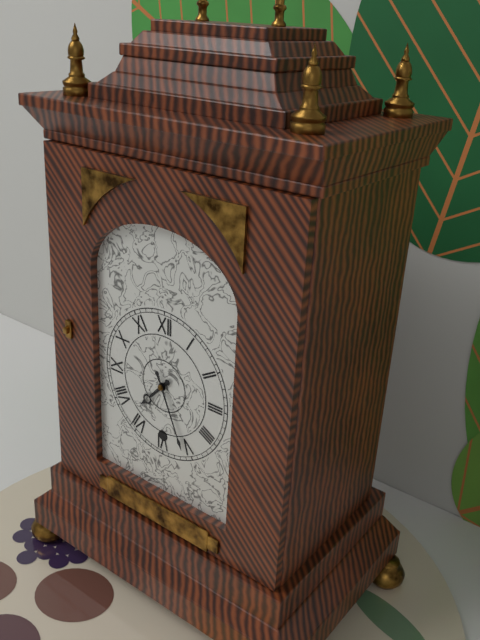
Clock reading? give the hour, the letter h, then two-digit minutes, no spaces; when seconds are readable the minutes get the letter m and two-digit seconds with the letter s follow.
7h26
